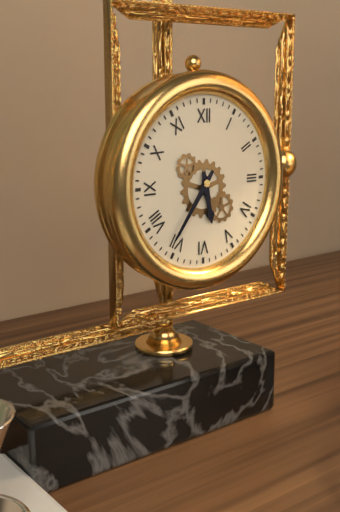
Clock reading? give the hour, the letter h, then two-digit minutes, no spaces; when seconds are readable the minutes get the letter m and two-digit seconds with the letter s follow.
5h36
